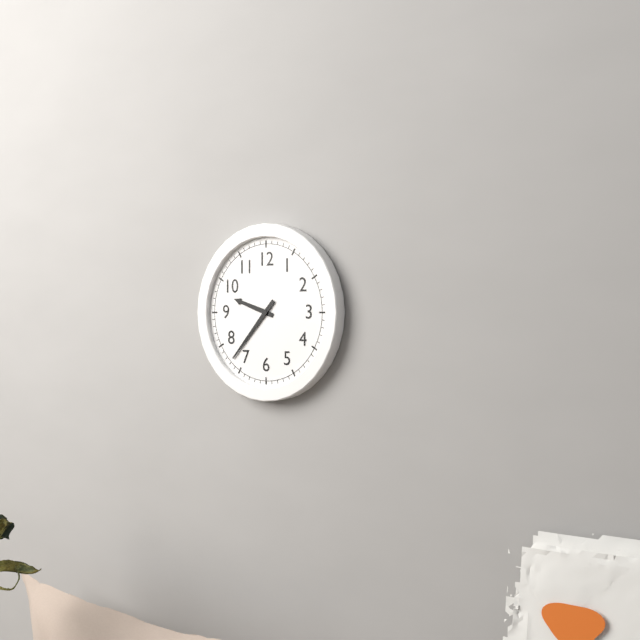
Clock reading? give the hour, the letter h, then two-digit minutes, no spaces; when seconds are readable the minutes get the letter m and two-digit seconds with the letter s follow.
9h37
